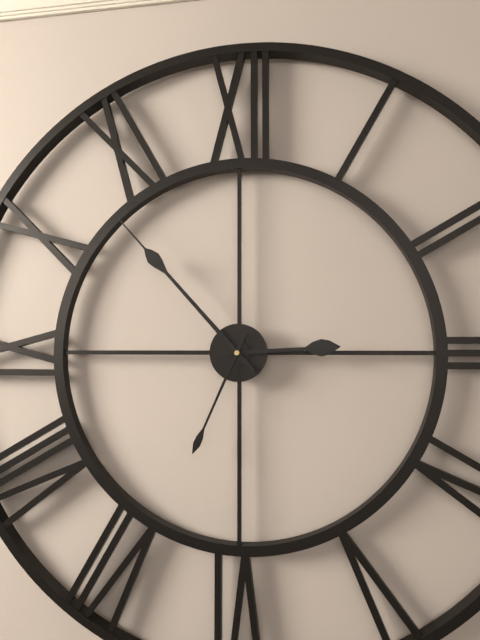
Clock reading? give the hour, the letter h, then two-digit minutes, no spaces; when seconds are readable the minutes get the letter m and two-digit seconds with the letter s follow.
2h53m34s
